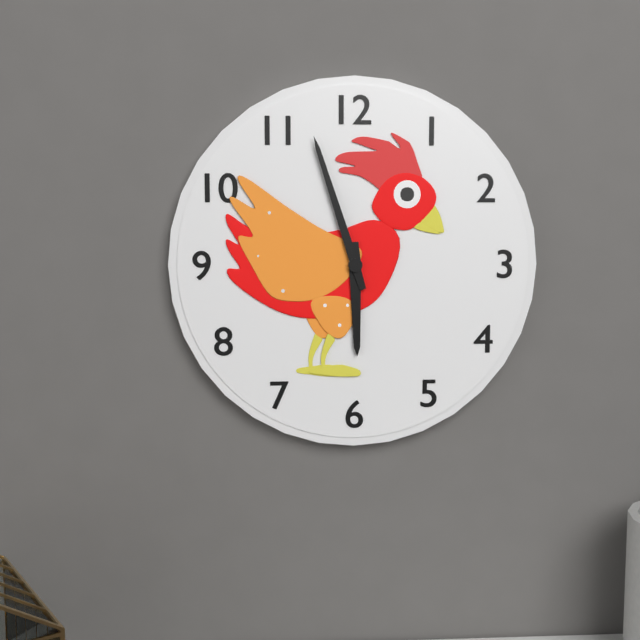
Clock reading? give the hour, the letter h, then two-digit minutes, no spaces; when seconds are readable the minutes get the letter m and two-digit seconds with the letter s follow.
5h57
